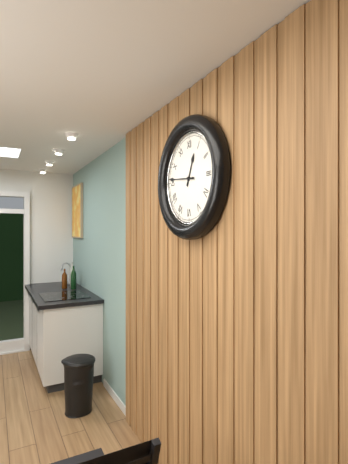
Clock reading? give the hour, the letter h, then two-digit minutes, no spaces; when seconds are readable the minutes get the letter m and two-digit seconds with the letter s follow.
12h46
